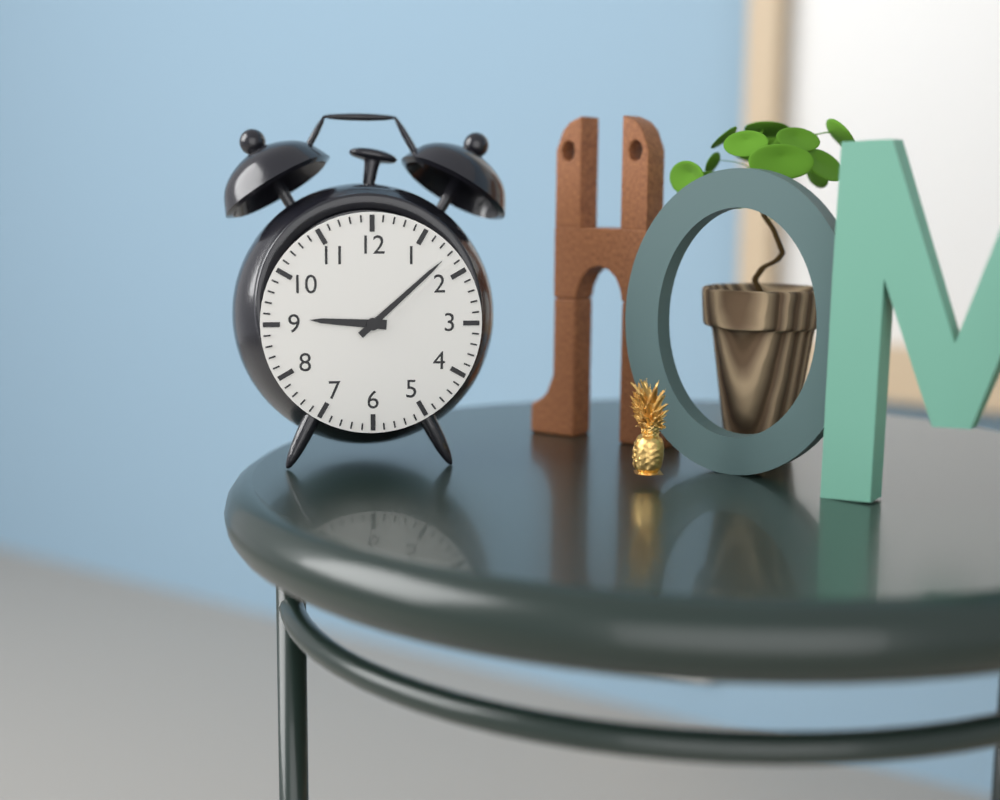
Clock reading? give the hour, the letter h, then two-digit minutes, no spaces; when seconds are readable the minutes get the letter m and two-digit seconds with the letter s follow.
9h08
